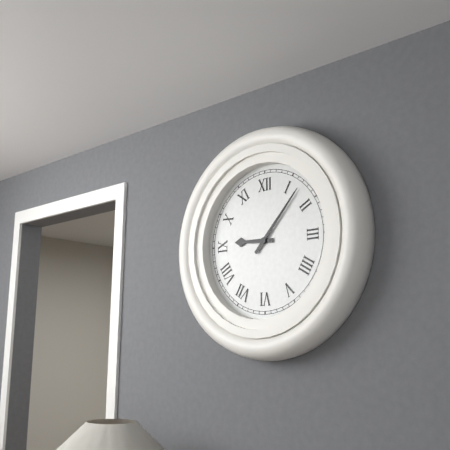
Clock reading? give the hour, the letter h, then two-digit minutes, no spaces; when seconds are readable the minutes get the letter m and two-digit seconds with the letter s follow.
9h07
